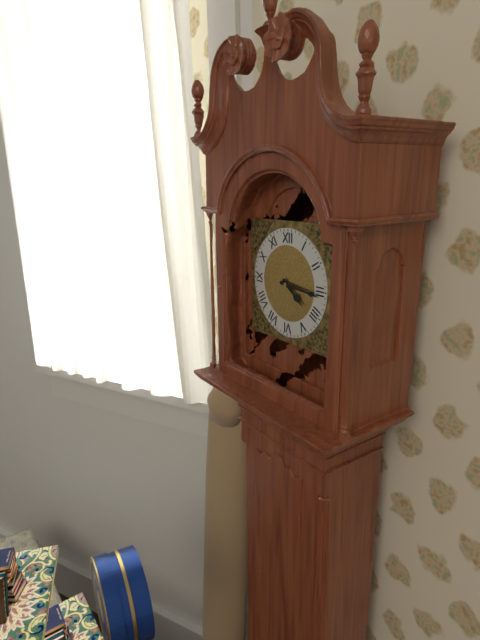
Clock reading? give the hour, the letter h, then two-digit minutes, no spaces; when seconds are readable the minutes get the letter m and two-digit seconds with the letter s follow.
4h16
